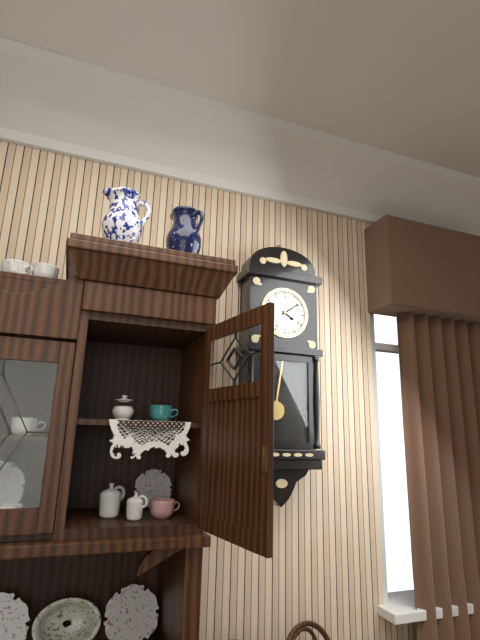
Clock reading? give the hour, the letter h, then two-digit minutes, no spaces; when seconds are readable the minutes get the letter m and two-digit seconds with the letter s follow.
4h09
